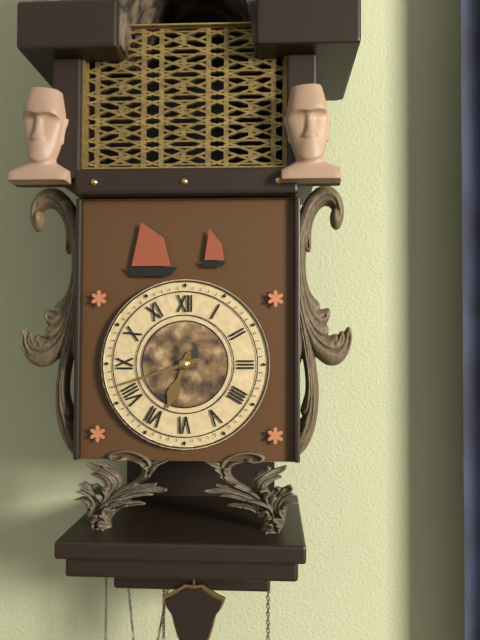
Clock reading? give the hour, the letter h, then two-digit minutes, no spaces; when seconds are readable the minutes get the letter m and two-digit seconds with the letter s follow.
6h42
